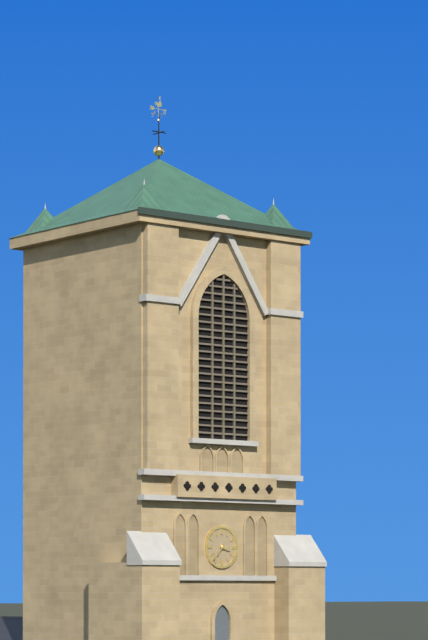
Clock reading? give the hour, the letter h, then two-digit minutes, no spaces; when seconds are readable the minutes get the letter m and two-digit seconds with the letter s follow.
3h37
